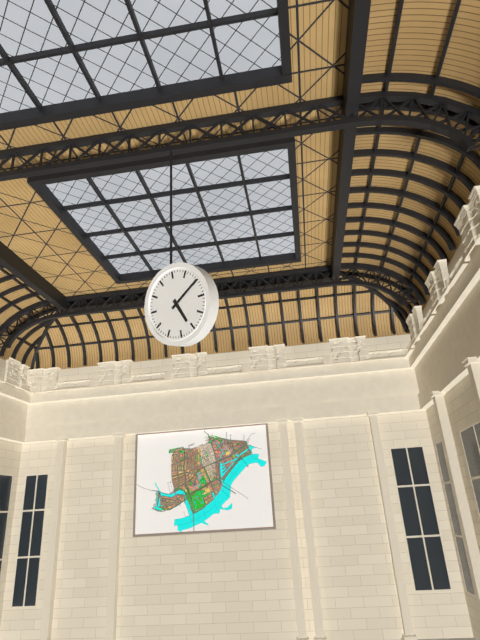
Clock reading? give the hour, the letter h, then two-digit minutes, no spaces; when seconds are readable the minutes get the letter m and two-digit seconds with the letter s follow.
5h10
